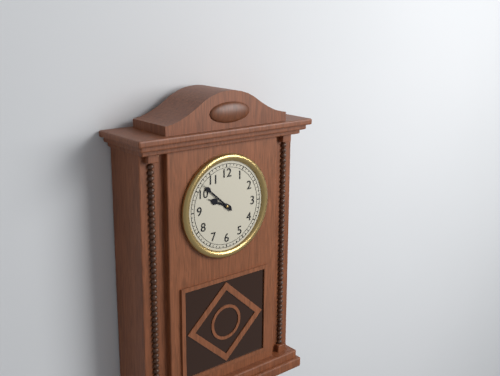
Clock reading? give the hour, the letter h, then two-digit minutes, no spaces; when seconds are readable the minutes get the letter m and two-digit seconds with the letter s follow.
9h52
